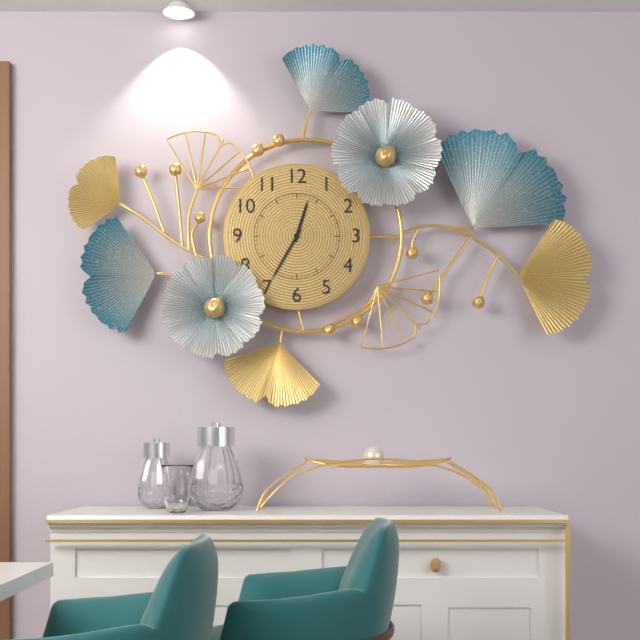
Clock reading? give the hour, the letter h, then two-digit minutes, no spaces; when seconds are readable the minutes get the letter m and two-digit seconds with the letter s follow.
12h35
